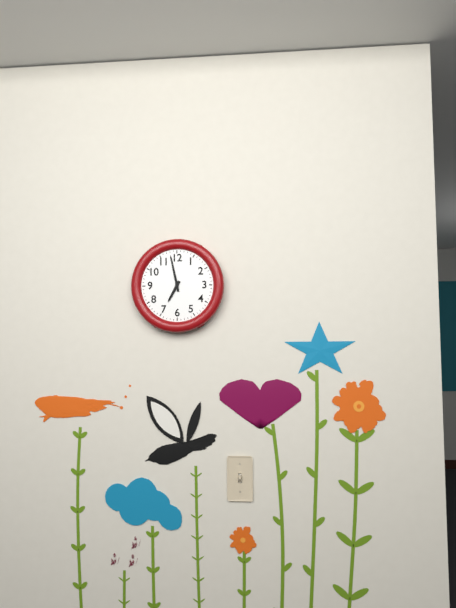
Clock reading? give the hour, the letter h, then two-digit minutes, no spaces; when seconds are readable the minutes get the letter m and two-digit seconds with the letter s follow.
6h58
